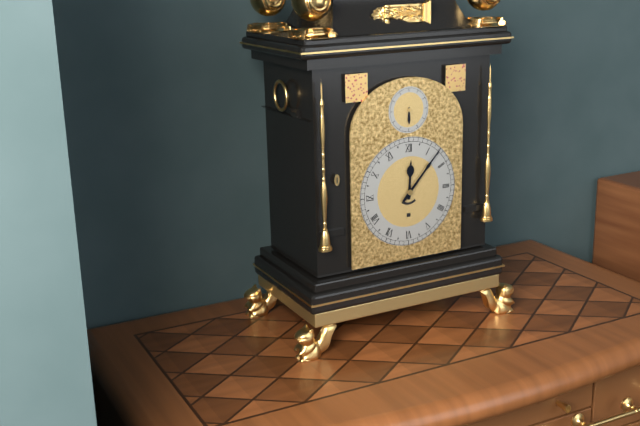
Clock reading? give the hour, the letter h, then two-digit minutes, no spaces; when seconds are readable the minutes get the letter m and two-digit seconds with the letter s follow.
12h07
